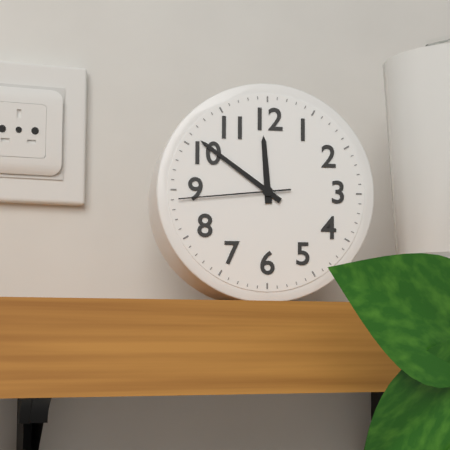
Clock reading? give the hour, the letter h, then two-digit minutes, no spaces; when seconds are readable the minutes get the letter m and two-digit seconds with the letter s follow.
11h51m44s
